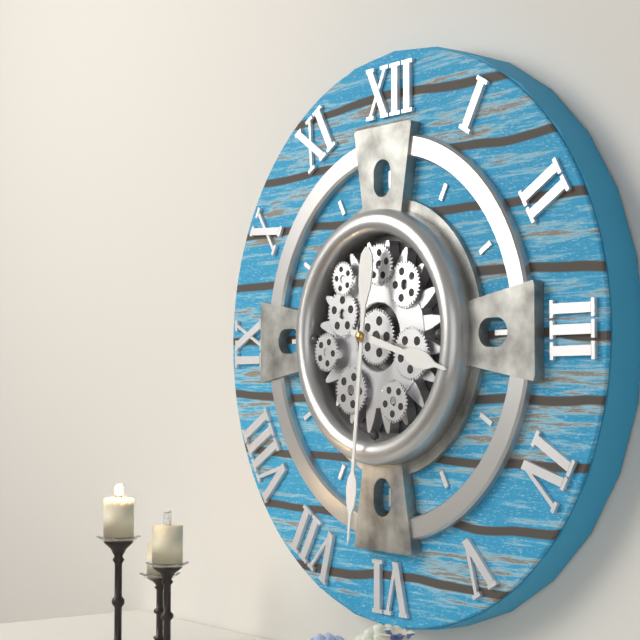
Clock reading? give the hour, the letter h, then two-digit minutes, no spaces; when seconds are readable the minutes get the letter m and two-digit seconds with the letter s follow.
3h31
